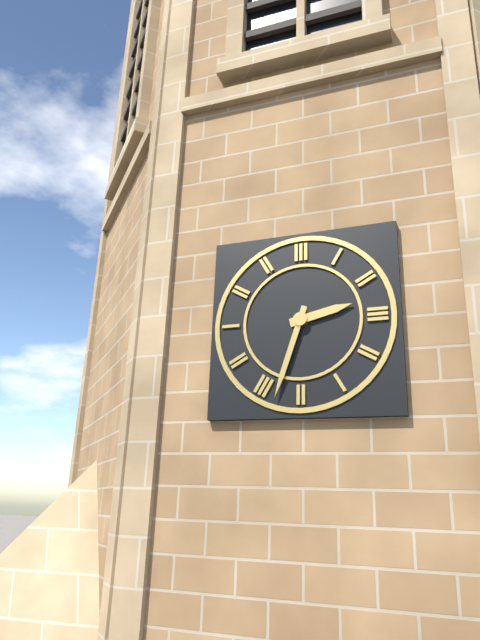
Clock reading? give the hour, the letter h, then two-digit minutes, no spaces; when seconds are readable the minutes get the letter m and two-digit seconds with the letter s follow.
2h33
